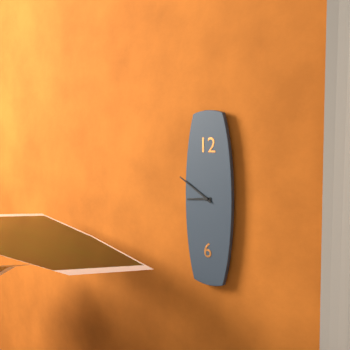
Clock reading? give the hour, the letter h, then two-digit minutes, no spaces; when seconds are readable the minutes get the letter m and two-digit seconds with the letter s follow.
8h50
